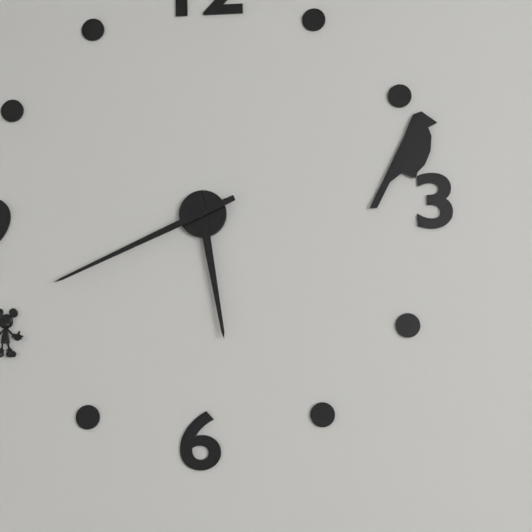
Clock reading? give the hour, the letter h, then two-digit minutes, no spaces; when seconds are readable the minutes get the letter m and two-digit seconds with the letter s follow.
5h41
